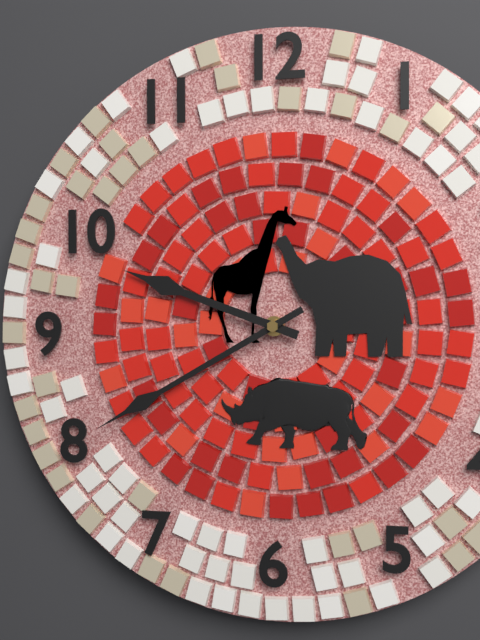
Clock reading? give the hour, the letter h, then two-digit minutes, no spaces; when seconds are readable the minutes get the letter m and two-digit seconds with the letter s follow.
9h40
